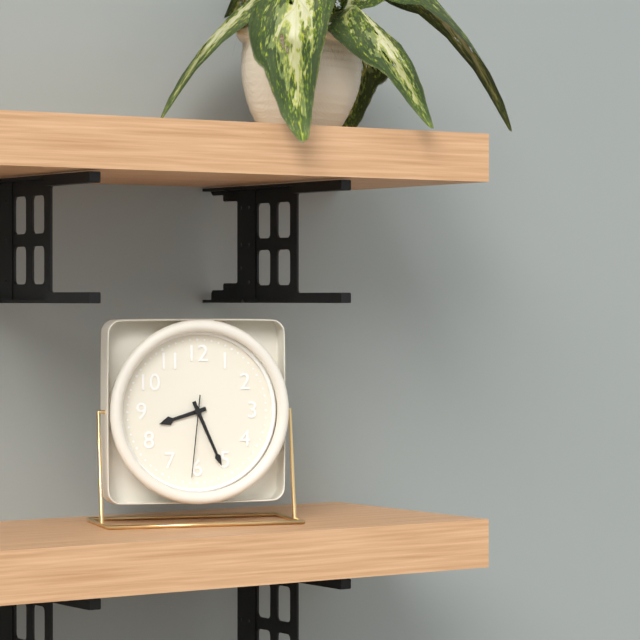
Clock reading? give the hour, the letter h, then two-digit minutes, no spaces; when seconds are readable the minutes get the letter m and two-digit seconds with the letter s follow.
8h26m31s
